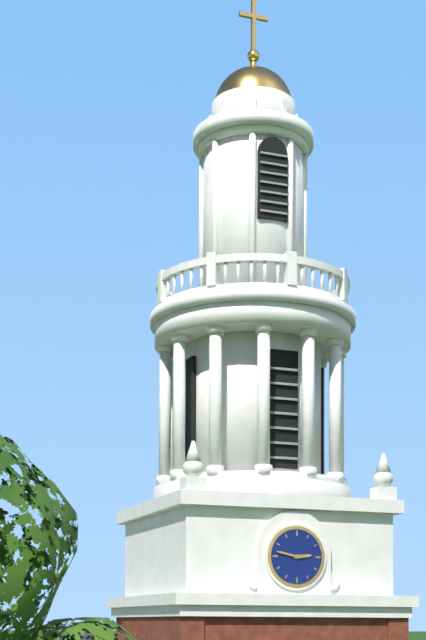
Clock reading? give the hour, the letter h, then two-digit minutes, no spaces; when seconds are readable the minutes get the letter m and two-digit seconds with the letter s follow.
2h47
